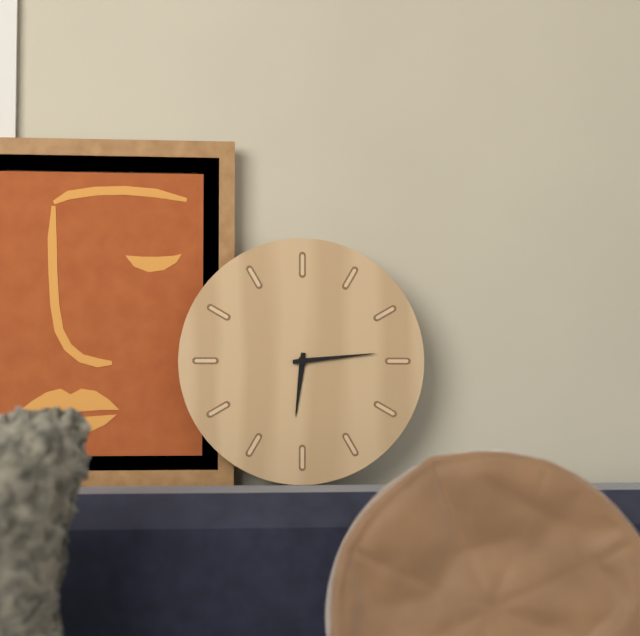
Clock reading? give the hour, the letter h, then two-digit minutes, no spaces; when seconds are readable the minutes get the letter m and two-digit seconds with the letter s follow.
6h14
